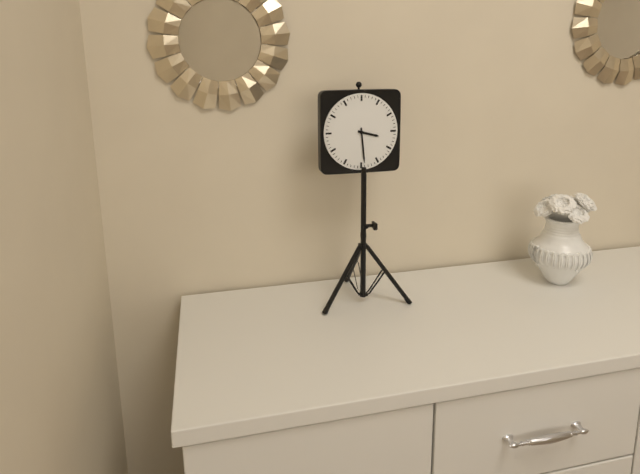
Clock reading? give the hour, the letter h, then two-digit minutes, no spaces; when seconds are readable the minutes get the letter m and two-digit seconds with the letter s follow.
3h29
